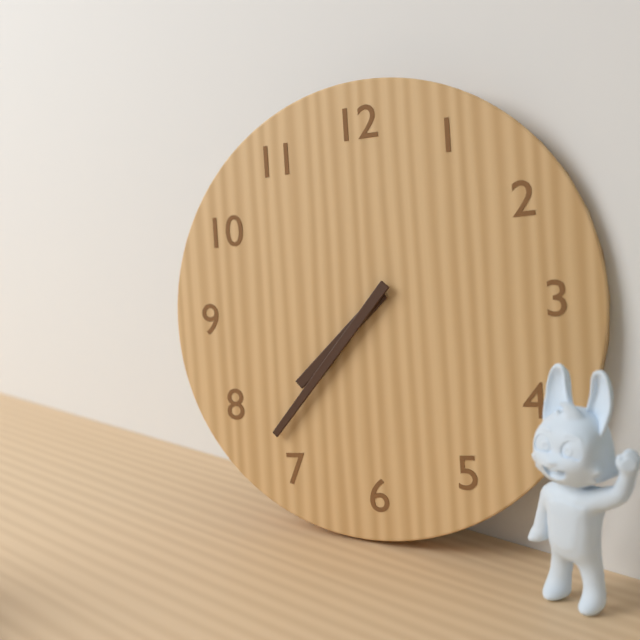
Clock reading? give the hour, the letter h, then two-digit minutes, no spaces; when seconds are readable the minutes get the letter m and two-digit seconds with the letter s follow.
7h37
